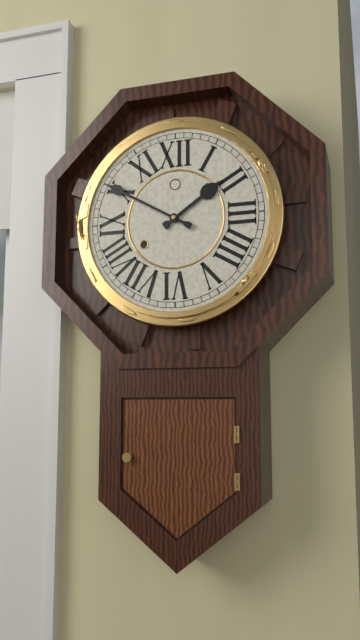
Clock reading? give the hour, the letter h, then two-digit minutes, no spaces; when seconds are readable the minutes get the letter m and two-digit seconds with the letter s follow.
1h50
